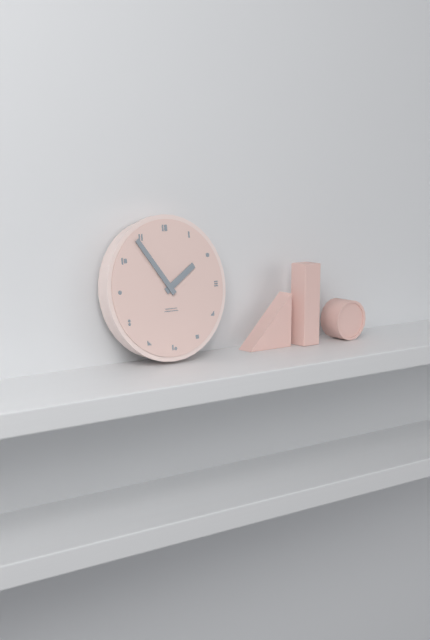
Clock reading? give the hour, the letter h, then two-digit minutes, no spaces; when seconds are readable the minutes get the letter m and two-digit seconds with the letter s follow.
1h54
